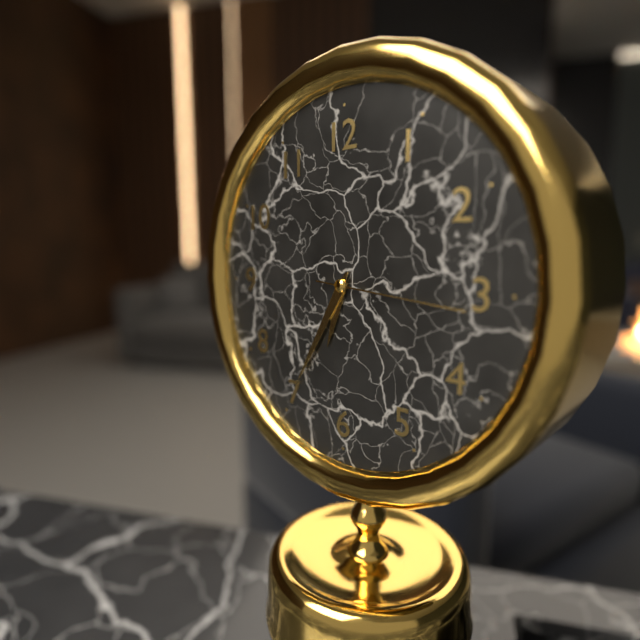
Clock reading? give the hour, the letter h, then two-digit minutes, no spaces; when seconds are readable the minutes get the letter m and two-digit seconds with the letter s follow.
6h35m16s
